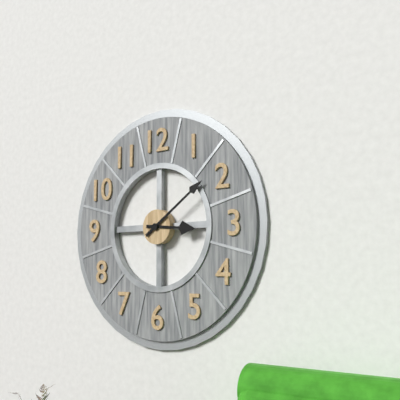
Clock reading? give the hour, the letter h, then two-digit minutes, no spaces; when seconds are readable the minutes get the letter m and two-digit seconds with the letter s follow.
3h09
